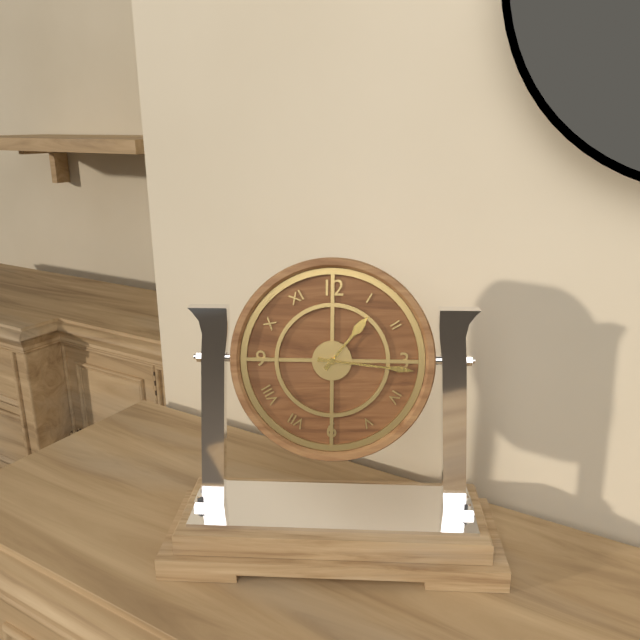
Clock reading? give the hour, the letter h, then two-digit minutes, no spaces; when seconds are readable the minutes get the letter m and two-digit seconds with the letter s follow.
1h16
